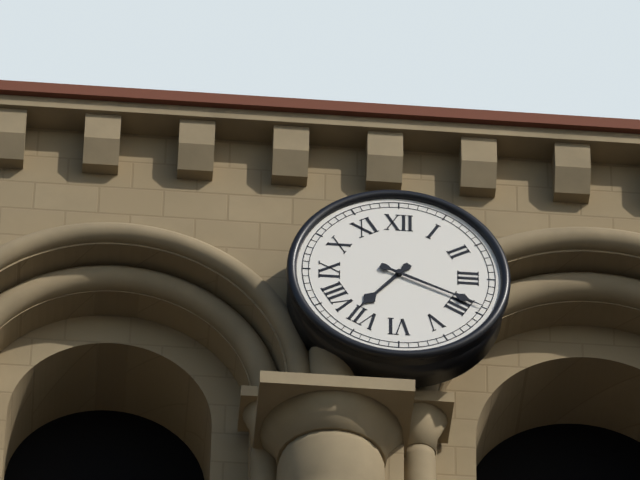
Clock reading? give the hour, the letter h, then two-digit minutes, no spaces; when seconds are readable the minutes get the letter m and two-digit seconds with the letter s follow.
7h19
